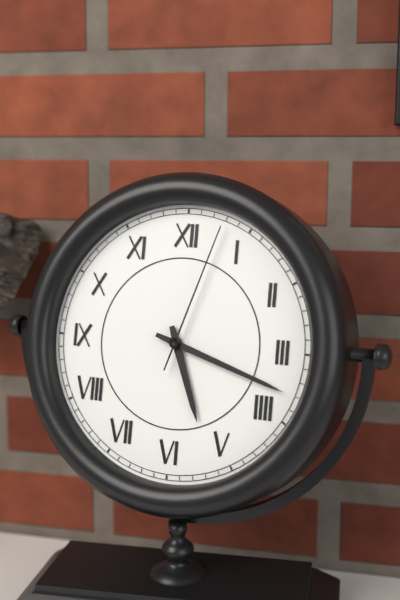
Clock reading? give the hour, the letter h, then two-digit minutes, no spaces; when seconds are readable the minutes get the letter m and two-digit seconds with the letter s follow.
5h18m03s
